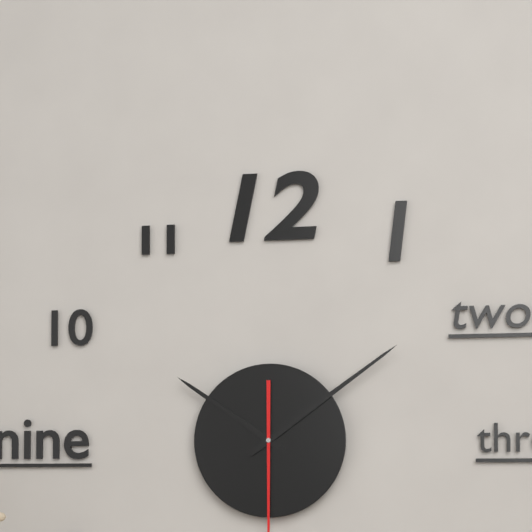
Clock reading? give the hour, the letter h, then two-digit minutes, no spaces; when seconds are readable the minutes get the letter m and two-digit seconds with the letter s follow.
10h09
